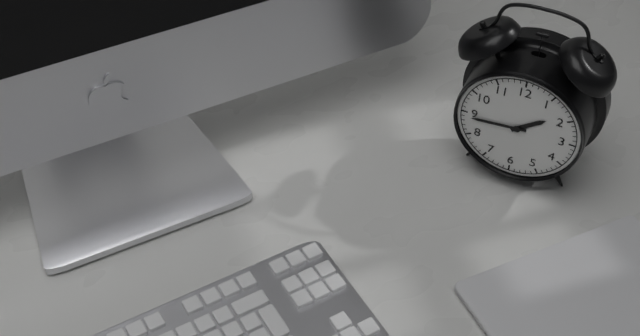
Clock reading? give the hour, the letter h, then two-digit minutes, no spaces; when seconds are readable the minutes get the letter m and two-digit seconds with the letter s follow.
1h44
